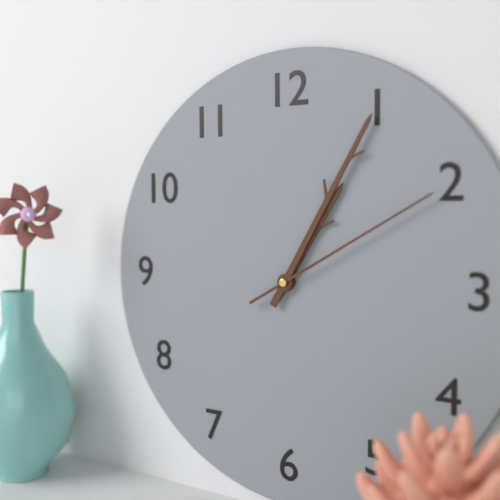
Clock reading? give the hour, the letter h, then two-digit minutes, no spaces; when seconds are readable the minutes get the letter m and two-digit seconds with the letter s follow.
1h05m10s
